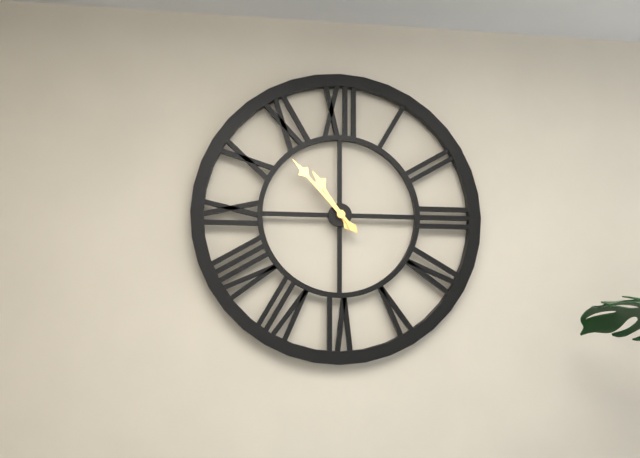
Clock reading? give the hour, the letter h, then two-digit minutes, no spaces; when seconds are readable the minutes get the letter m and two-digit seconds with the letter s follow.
10h53
